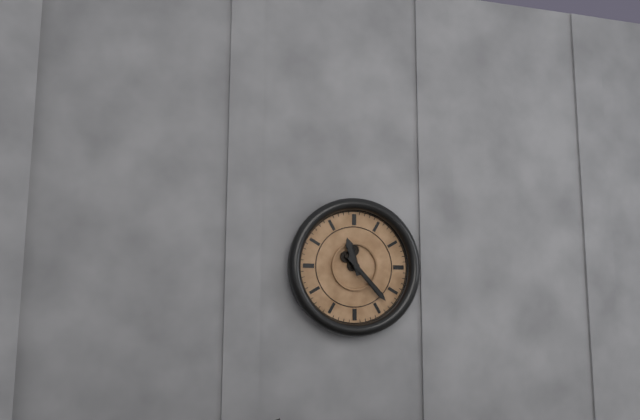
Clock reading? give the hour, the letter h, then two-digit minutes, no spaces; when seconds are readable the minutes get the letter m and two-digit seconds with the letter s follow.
11h23
